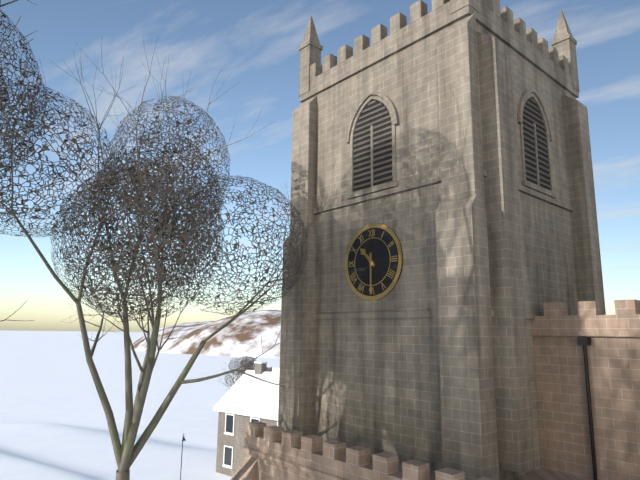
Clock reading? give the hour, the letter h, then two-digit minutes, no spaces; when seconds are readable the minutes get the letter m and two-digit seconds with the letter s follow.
10h30
